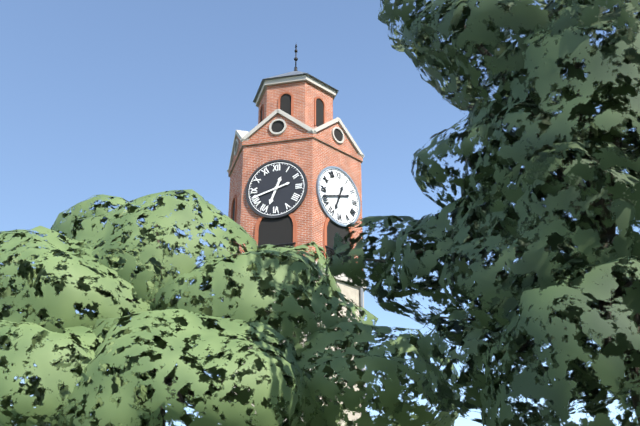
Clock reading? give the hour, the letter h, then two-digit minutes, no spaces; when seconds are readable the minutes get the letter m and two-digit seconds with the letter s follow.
6h42
